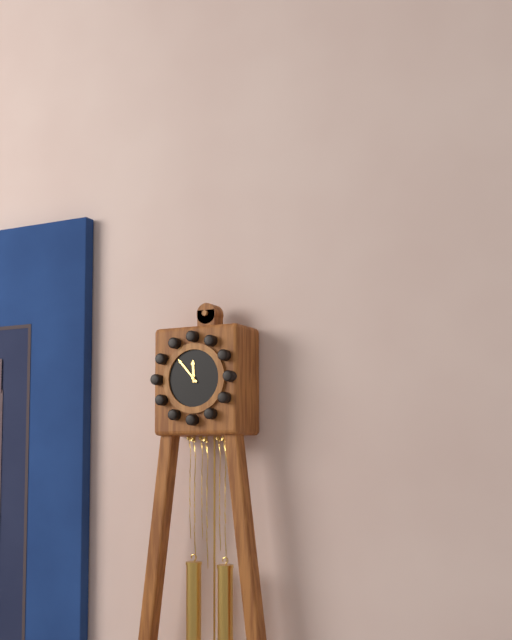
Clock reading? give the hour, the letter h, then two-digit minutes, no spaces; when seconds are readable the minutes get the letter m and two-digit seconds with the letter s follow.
11h53
